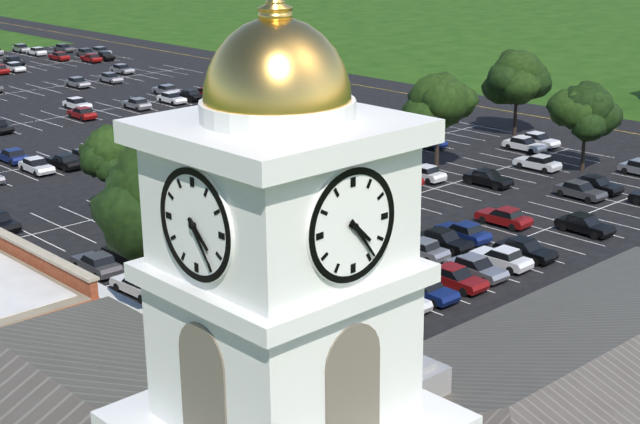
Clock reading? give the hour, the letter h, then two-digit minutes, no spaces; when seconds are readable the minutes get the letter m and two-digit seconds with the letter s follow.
4h24
